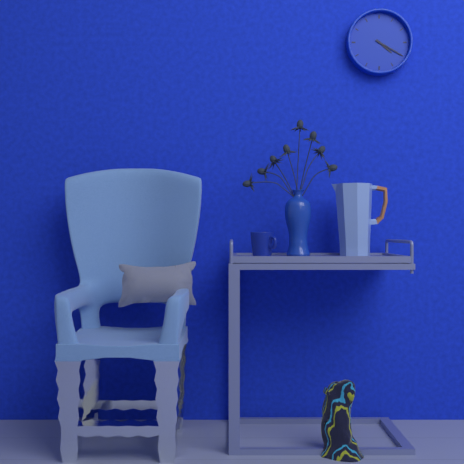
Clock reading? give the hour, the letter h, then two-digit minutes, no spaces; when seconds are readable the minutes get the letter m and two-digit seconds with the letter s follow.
4h20
